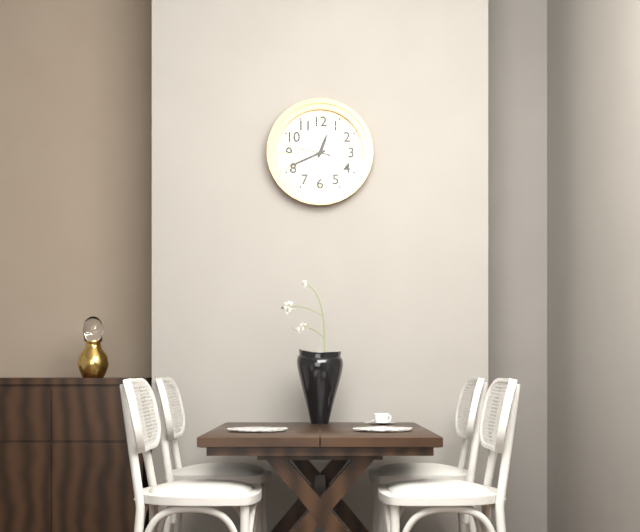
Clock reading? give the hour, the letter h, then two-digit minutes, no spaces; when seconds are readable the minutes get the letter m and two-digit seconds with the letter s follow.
12h41
